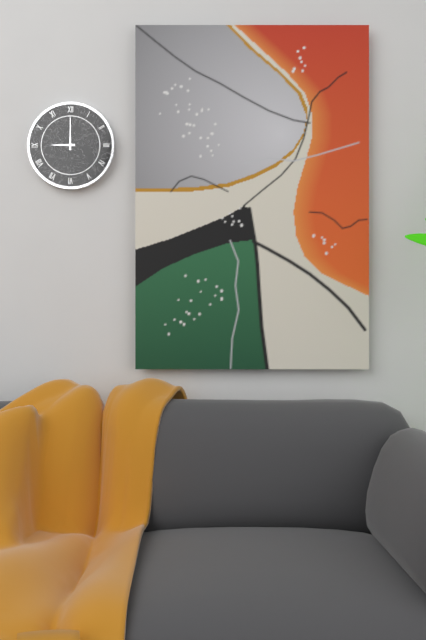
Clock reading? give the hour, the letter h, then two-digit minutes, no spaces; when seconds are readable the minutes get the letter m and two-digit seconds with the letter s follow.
9h00
